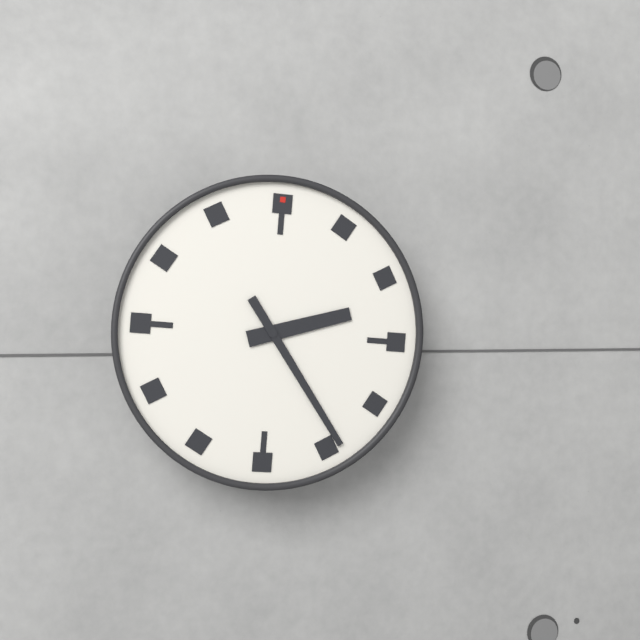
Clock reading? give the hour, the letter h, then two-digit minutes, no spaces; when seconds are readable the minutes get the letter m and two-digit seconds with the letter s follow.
2h24
